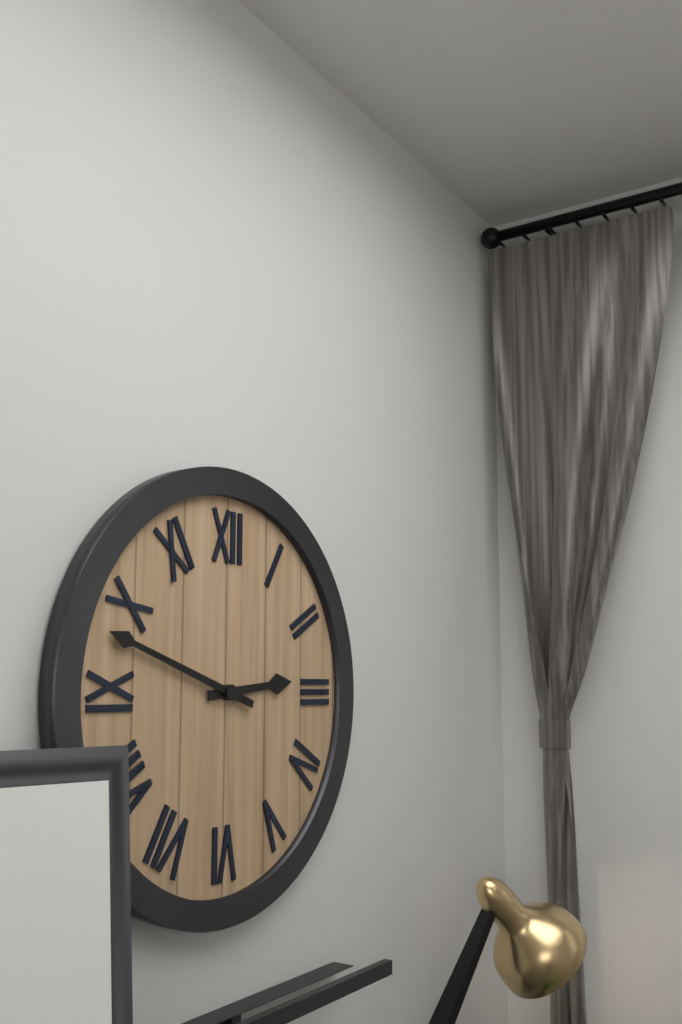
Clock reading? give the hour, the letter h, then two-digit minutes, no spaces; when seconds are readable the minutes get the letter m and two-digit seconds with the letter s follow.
2h48
